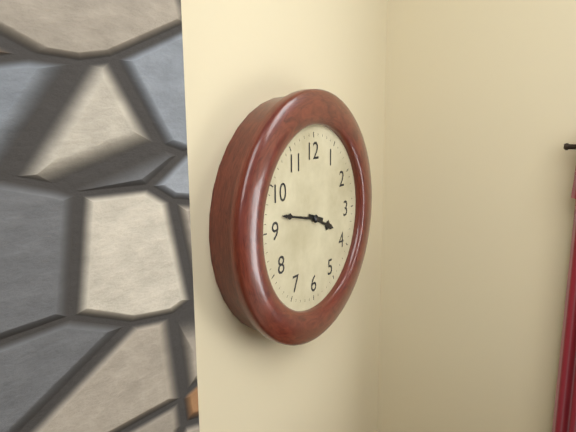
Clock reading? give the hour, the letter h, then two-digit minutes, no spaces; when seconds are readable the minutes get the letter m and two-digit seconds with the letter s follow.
3h47
